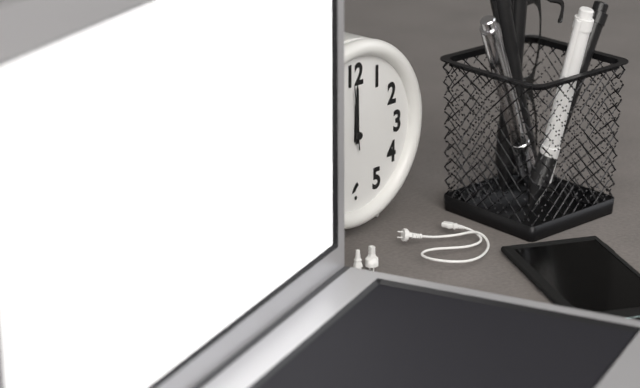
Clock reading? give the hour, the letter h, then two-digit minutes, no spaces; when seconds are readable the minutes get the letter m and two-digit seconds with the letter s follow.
12h00m59s
